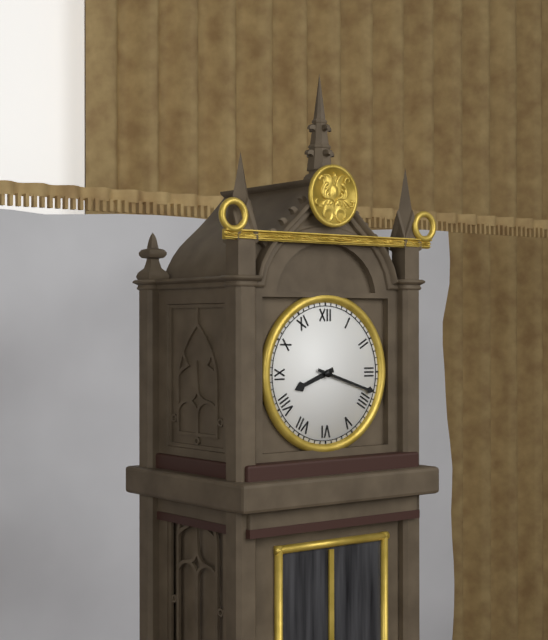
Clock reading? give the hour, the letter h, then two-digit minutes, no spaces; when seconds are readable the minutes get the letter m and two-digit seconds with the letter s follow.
8h18
